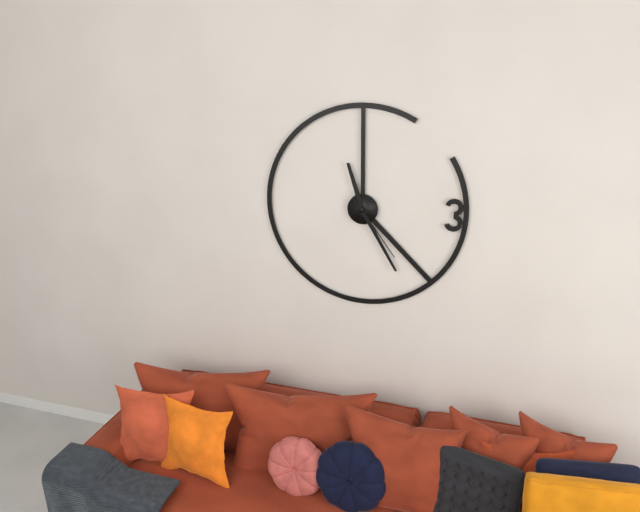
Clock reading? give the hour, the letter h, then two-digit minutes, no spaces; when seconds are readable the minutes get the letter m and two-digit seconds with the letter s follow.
11h25m24s
